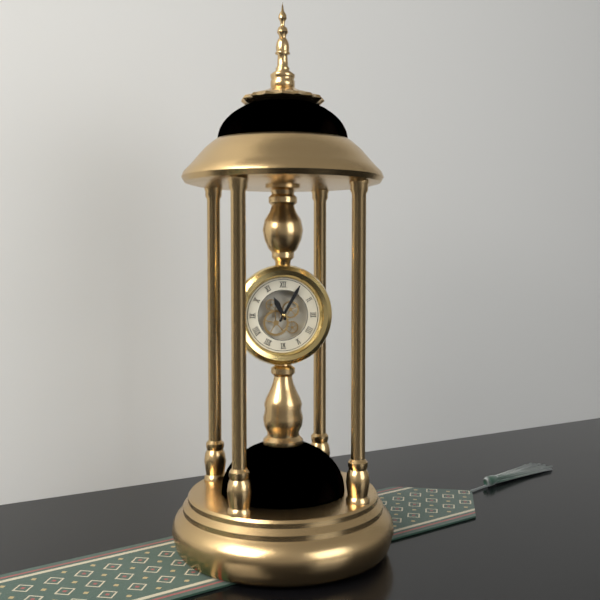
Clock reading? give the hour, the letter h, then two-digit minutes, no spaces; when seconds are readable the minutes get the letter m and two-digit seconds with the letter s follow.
11h05
